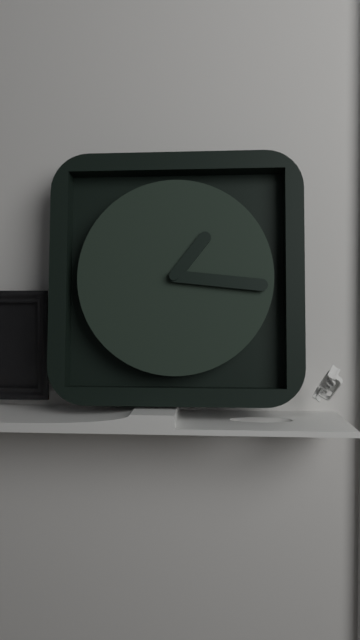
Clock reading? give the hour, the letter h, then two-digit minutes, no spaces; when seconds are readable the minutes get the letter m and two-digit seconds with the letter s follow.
1h16
